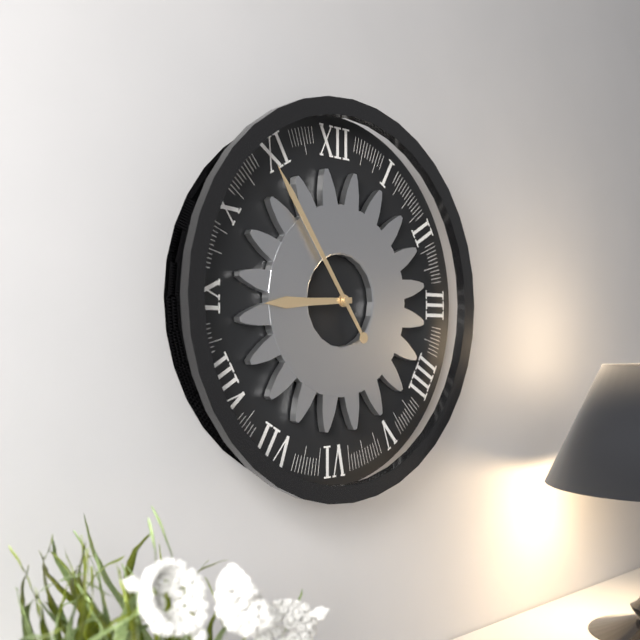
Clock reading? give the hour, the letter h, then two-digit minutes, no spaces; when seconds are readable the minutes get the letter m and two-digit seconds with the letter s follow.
8h54
